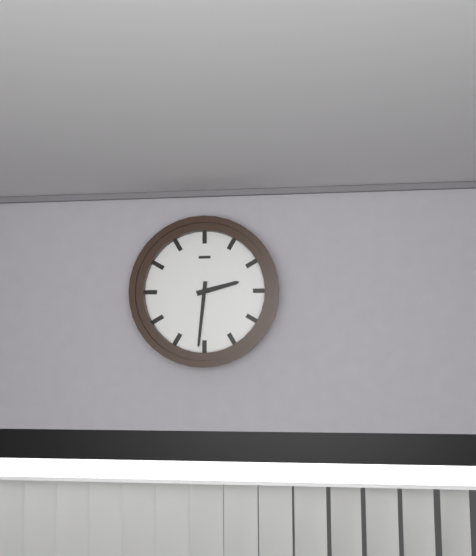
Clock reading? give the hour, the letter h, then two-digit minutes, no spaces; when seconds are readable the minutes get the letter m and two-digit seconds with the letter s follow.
2h31
